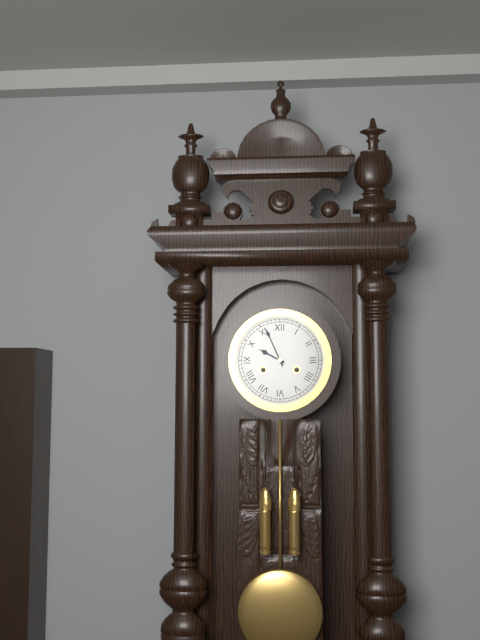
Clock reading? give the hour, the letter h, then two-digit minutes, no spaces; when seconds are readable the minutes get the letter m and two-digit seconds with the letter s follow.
9h56
